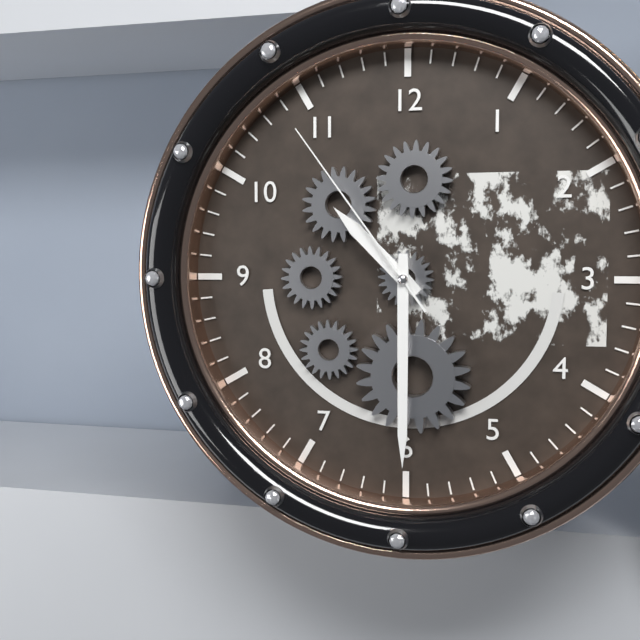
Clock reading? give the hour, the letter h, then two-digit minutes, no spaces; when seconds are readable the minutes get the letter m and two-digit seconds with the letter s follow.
10h30m54s
